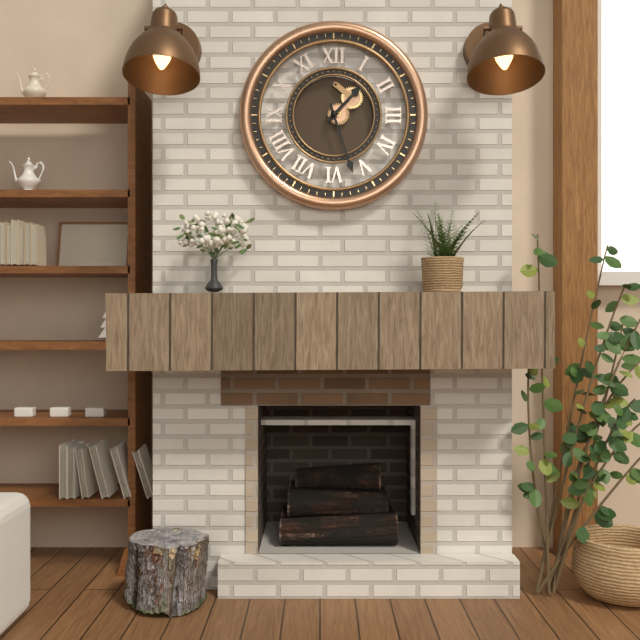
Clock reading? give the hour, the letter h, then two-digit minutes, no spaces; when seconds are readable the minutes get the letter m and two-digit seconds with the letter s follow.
1h27
